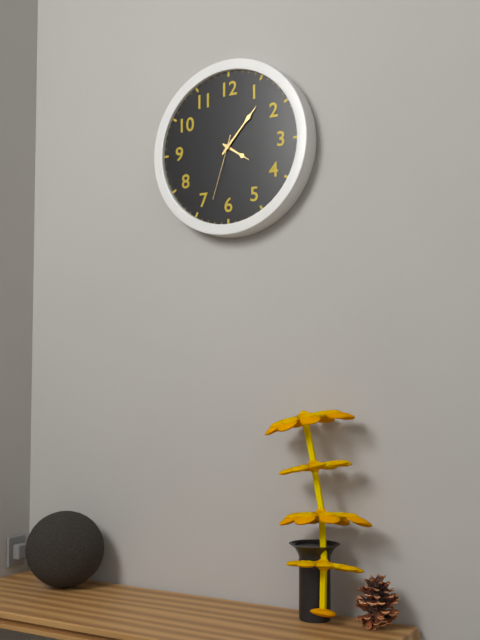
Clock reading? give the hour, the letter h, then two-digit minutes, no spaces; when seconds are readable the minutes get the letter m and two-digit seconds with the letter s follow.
4h07m33s
